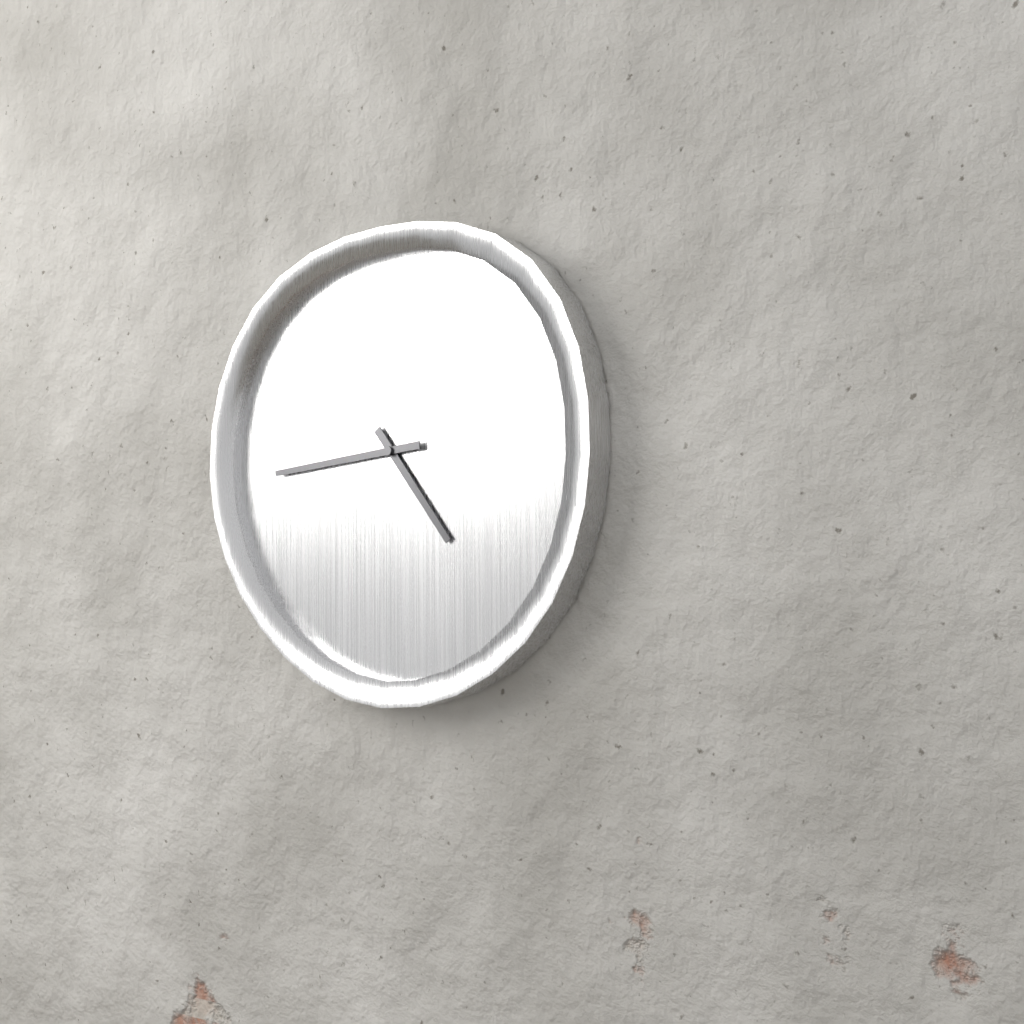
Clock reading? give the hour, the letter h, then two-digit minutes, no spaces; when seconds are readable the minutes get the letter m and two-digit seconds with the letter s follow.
4h44
